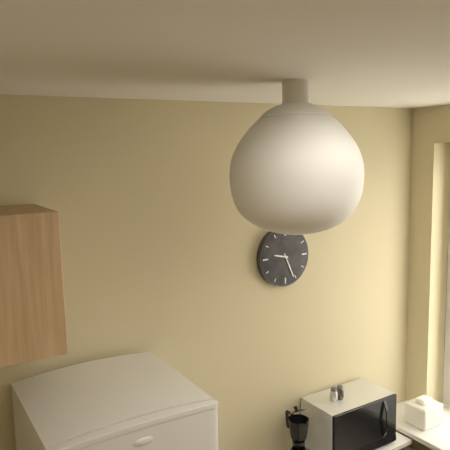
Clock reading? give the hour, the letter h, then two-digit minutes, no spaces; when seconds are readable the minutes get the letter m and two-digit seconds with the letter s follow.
9h26
